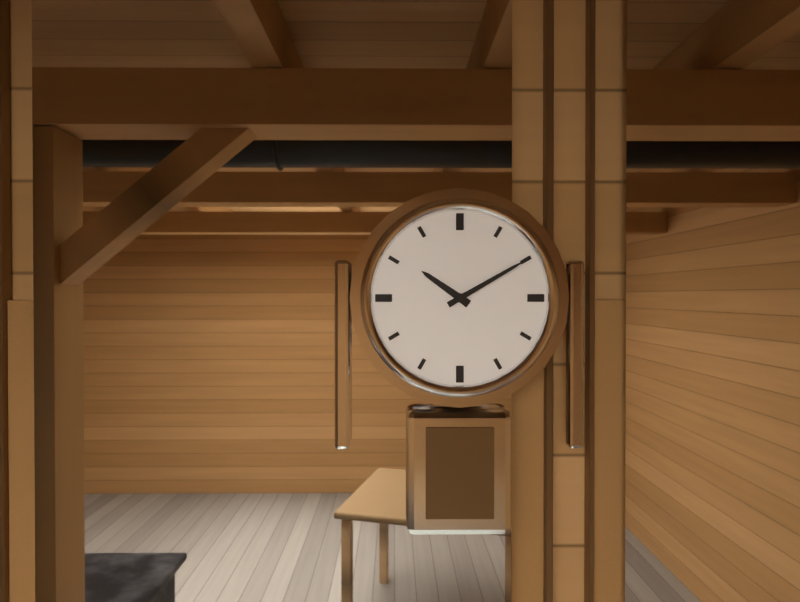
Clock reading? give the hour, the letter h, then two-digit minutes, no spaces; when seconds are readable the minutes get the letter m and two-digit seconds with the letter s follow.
10h10
